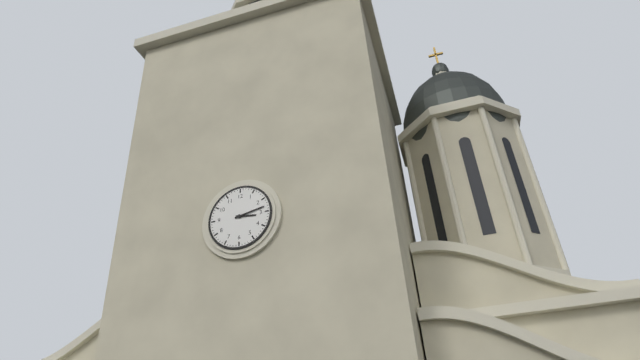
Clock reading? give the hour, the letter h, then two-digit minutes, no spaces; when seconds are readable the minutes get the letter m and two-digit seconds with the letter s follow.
3h13
